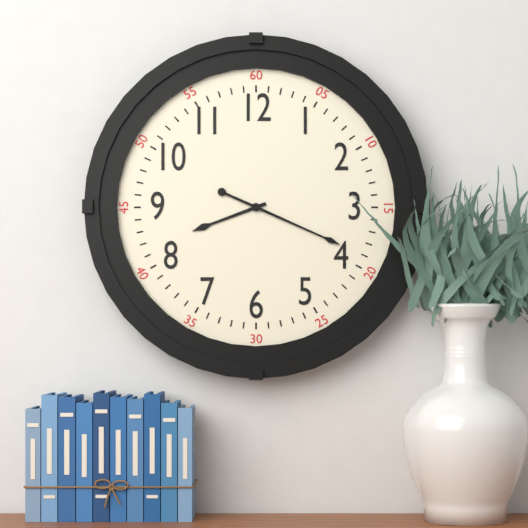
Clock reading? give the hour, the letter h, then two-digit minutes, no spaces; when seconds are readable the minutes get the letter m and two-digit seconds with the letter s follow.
8h19
